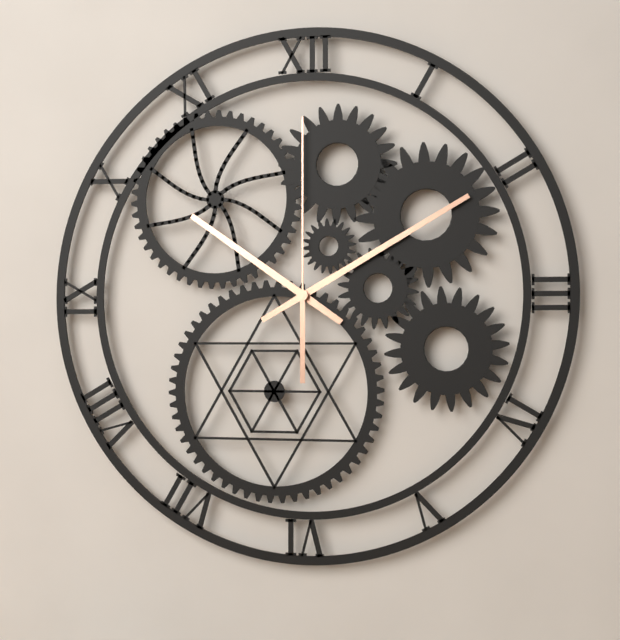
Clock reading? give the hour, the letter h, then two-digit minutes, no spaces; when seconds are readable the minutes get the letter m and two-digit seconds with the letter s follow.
10h10m00s
